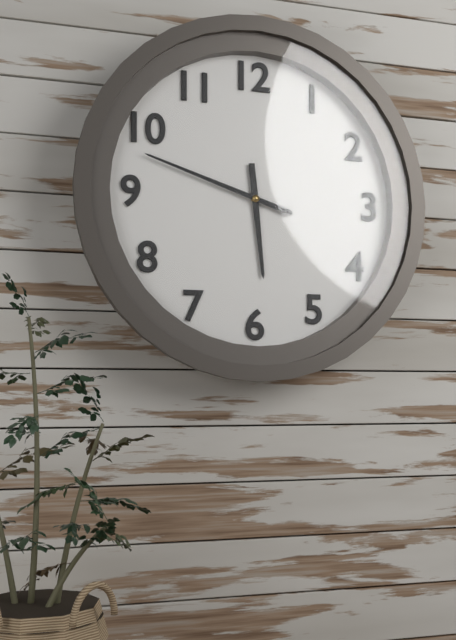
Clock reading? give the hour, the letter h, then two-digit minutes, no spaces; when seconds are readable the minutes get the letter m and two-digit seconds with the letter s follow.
5h48
